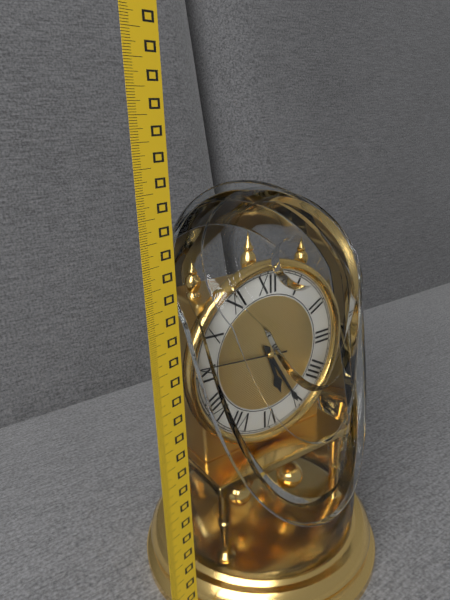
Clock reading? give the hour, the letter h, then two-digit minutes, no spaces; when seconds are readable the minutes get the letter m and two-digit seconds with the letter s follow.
5h25m46s
